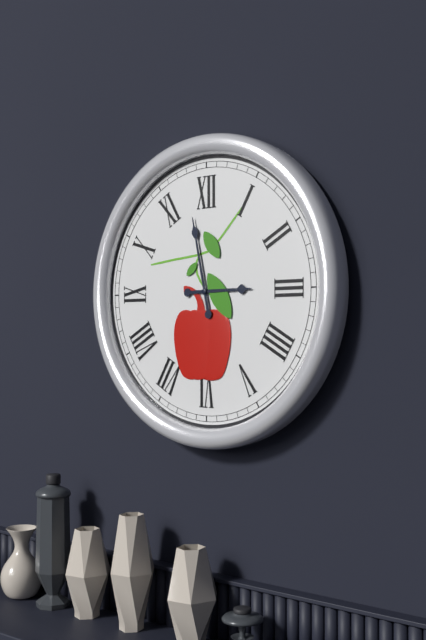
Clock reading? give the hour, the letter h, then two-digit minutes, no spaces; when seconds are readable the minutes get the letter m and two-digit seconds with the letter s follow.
2h58
